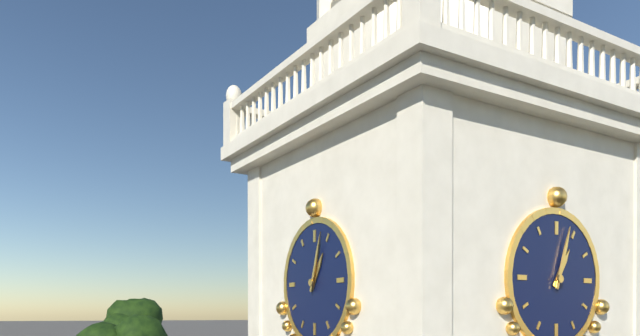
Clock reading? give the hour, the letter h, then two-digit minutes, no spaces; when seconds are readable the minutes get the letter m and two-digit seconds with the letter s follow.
1h03
